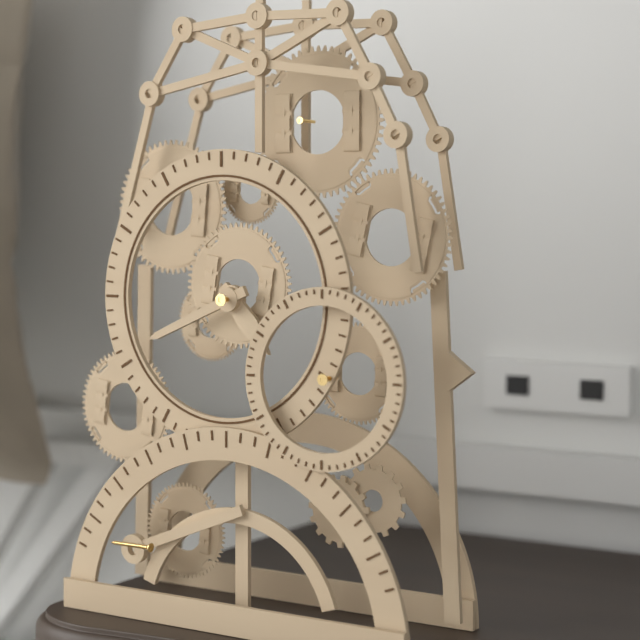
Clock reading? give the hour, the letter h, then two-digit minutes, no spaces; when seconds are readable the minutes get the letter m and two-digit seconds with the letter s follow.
4h41
